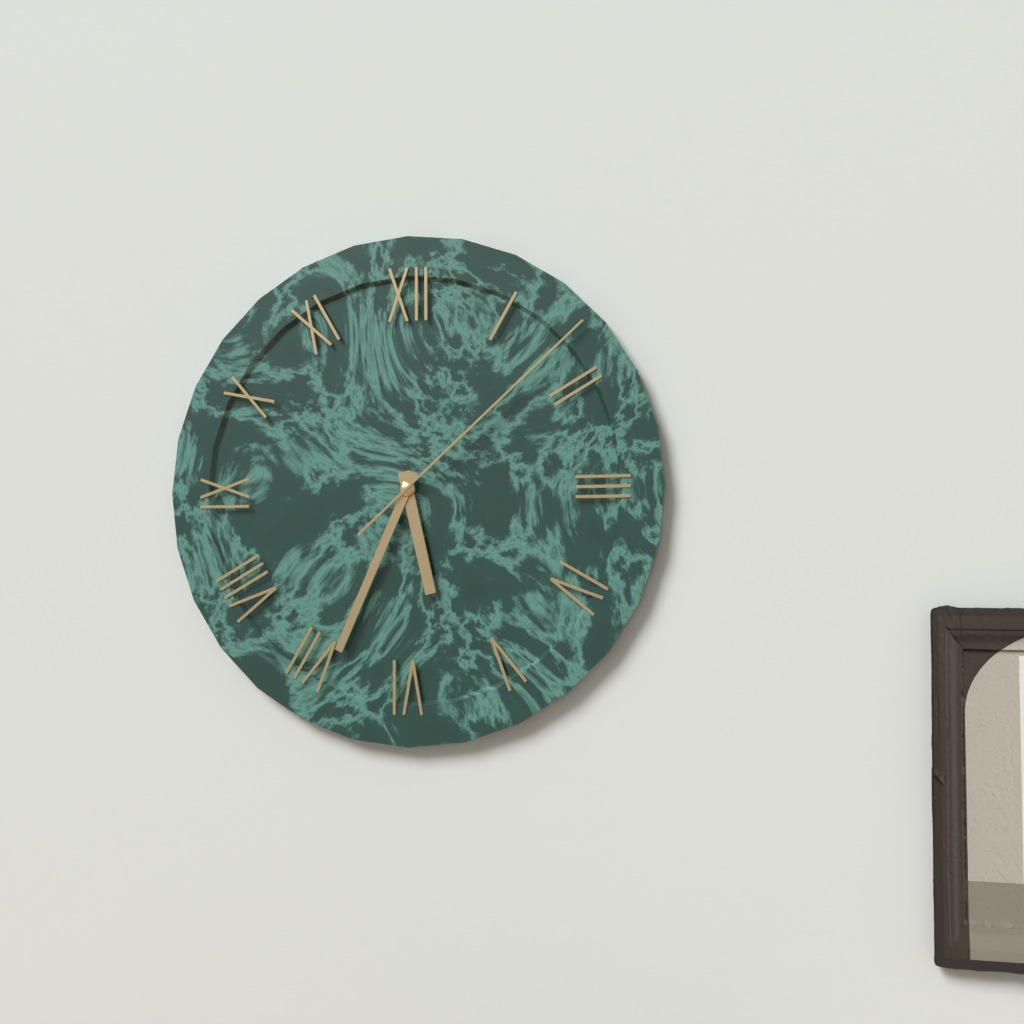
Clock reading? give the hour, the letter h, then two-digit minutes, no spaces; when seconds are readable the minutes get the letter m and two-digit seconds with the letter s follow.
5h34m08s
